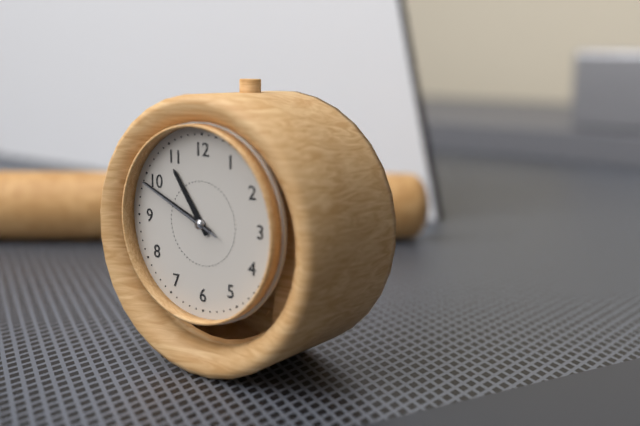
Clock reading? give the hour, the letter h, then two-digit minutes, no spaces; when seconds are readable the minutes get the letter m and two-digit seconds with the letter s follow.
10h49m49s
